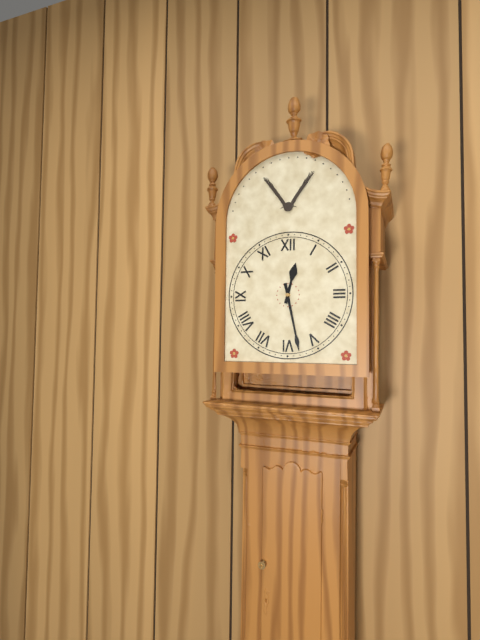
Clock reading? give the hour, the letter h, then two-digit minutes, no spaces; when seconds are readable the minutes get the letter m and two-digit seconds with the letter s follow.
12h28
